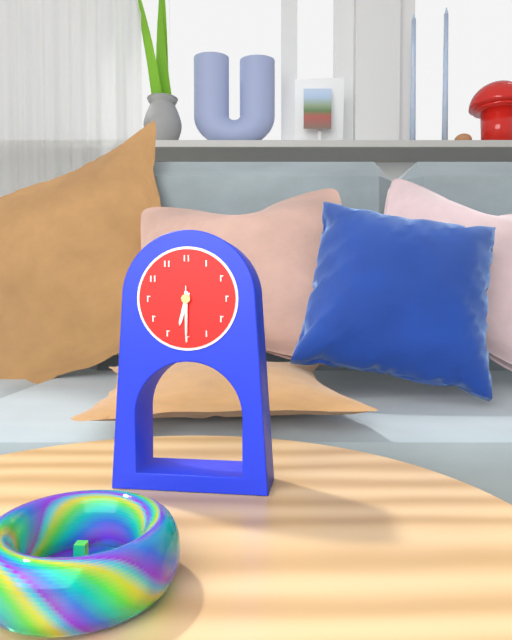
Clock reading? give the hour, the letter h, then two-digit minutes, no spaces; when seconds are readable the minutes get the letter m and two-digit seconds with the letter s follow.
6h30m30s
